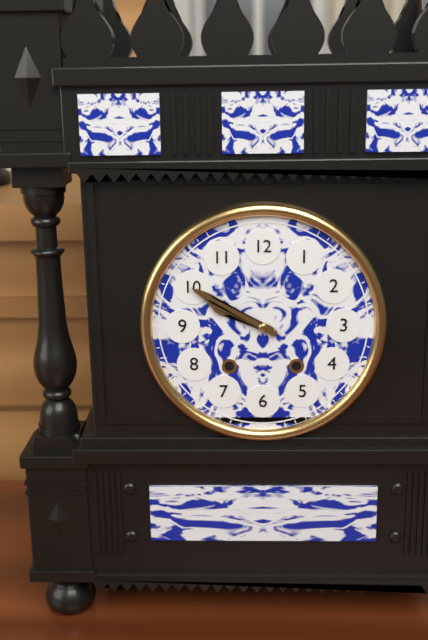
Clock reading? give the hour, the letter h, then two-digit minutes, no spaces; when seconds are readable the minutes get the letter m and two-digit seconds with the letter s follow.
9h50
